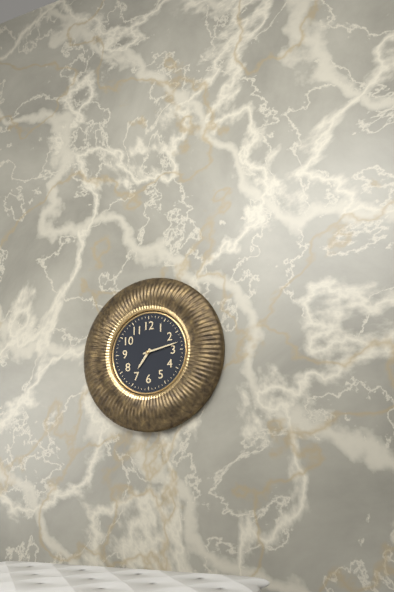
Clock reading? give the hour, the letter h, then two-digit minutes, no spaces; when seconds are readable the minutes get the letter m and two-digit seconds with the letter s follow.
7h13
